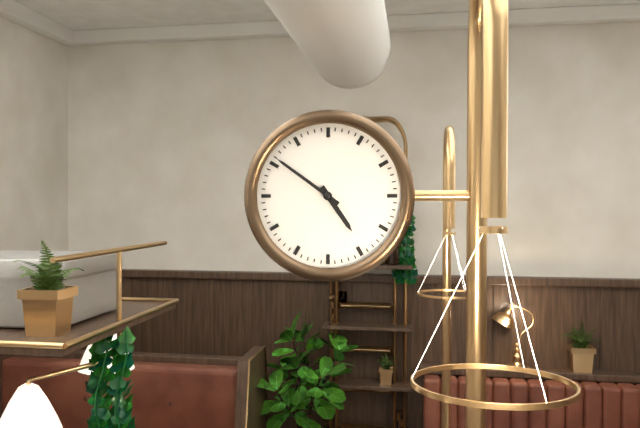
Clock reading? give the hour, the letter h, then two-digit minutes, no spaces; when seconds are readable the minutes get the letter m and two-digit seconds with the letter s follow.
4h51
